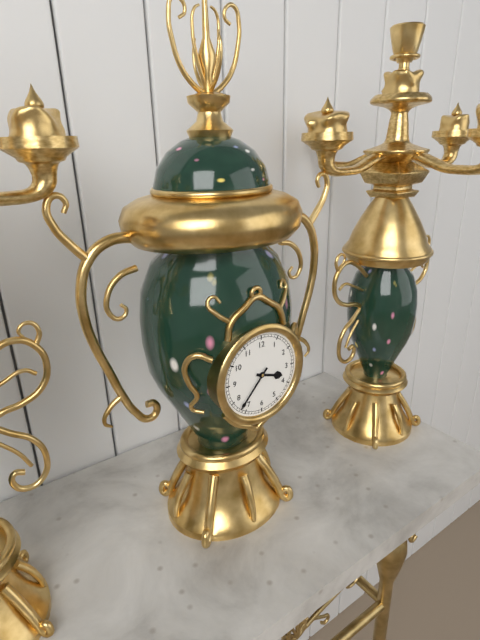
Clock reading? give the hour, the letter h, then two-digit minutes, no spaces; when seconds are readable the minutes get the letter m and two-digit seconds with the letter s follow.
3h37
